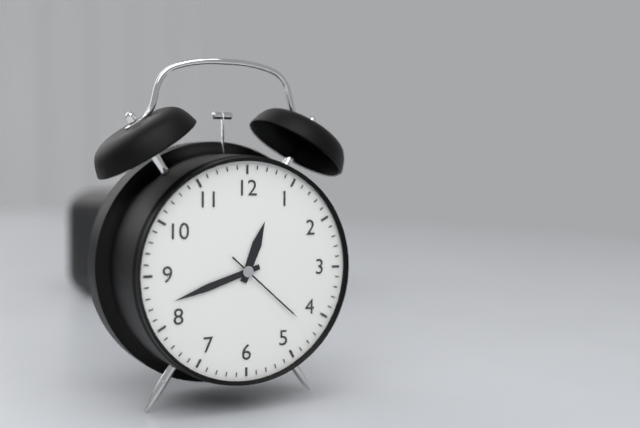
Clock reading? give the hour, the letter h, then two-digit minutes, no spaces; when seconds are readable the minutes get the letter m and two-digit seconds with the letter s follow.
12h42m22s
